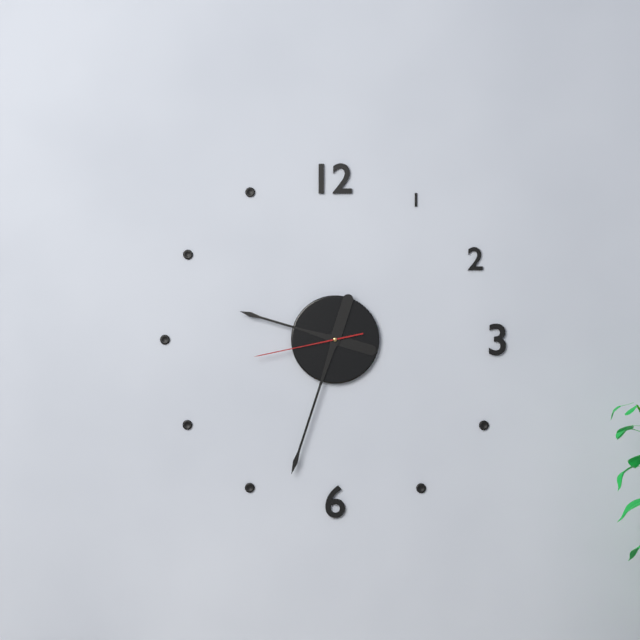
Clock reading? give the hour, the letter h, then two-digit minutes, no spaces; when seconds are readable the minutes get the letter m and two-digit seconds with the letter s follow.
9h33m43s
